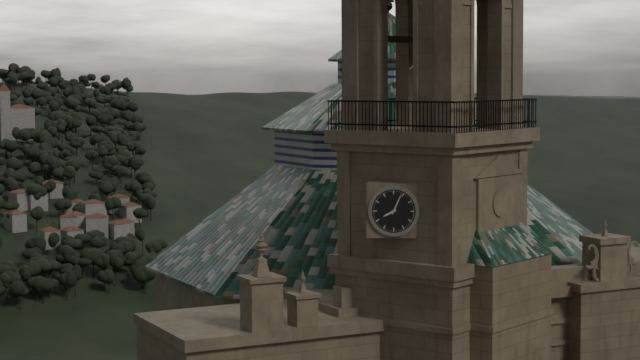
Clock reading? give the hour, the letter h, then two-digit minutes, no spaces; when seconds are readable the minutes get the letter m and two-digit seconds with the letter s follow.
8h04
